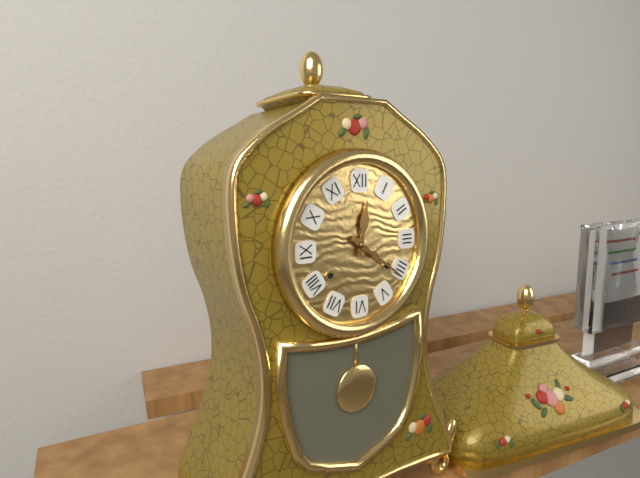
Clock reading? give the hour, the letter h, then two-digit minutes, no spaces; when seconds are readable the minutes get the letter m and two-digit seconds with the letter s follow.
12h21
